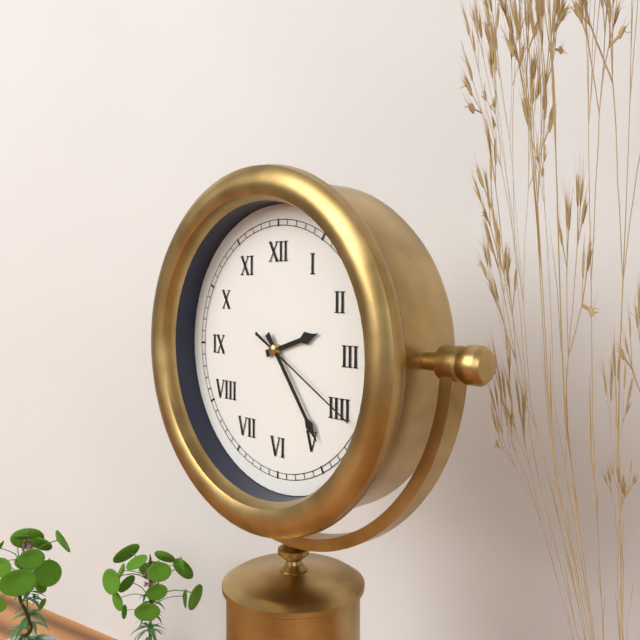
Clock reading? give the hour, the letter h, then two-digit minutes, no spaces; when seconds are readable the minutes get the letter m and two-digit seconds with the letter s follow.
2h24m20s
